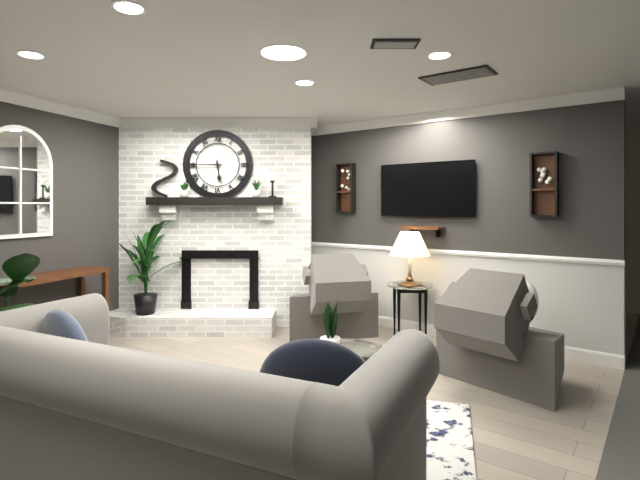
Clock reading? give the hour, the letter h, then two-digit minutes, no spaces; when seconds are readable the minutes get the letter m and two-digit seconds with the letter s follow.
5h45
